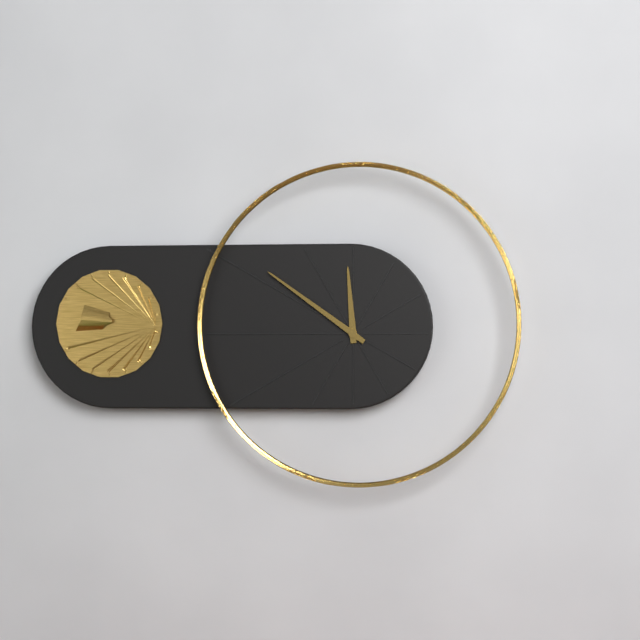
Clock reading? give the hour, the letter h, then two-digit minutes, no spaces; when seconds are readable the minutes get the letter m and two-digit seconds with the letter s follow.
11h51
